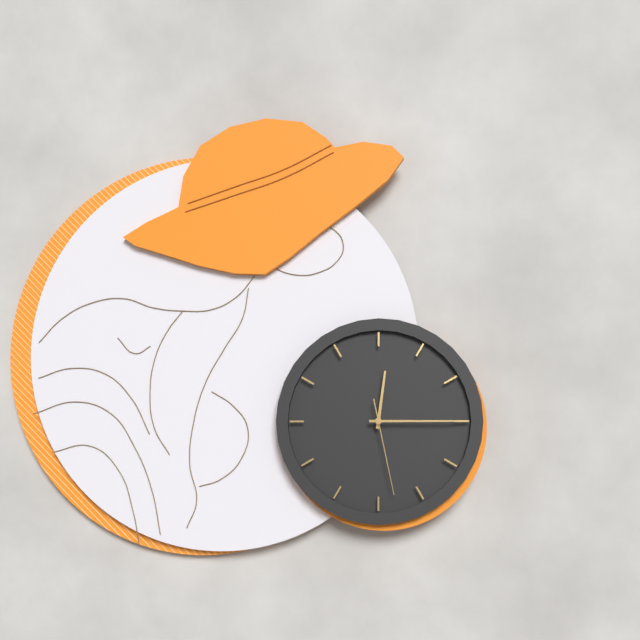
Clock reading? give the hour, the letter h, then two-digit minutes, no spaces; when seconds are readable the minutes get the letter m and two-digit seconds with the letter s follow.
12h15m28s
